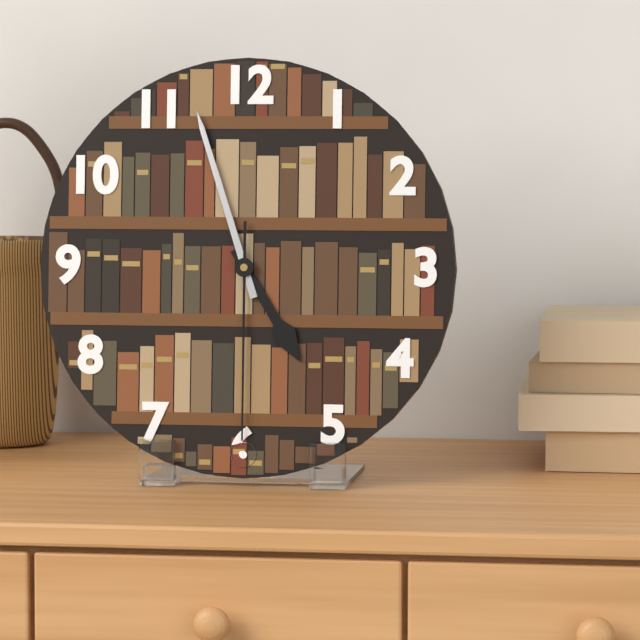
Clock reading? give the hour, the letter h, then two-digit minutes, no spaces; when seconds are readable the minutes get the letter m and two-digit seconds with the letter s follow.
4h57m30s
